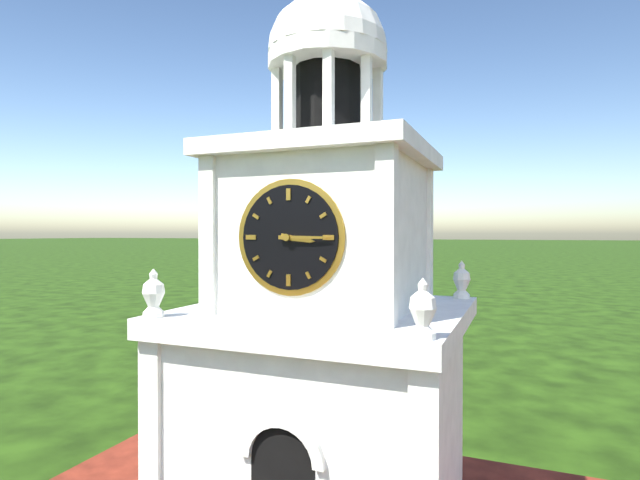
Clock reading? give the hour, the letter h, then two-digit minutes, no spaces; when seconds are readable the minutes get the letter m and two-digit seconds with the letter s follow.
3h15
